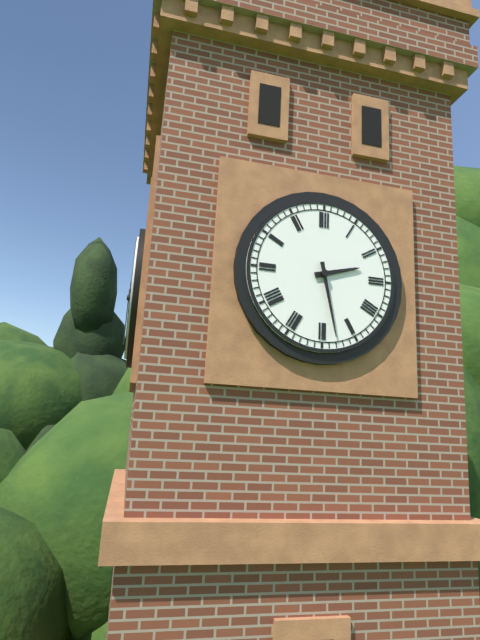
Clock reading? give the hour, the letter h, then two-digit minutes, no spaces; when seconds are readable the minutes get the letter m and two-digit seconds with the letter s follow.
2h28
